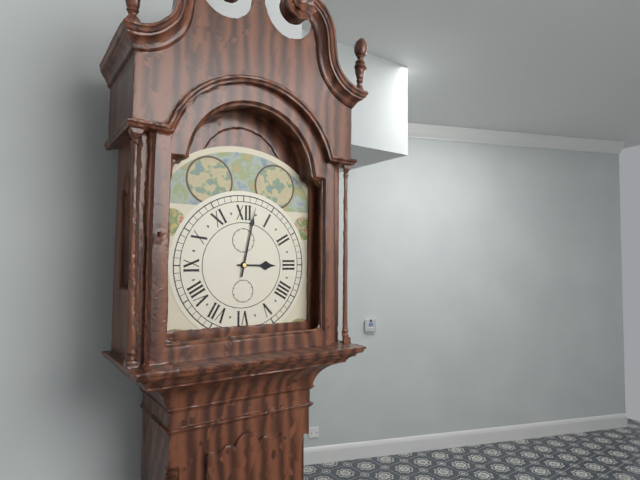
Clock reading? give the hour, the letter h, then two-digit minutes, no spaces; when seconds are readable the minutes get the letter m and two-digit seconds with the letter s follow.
3h02
